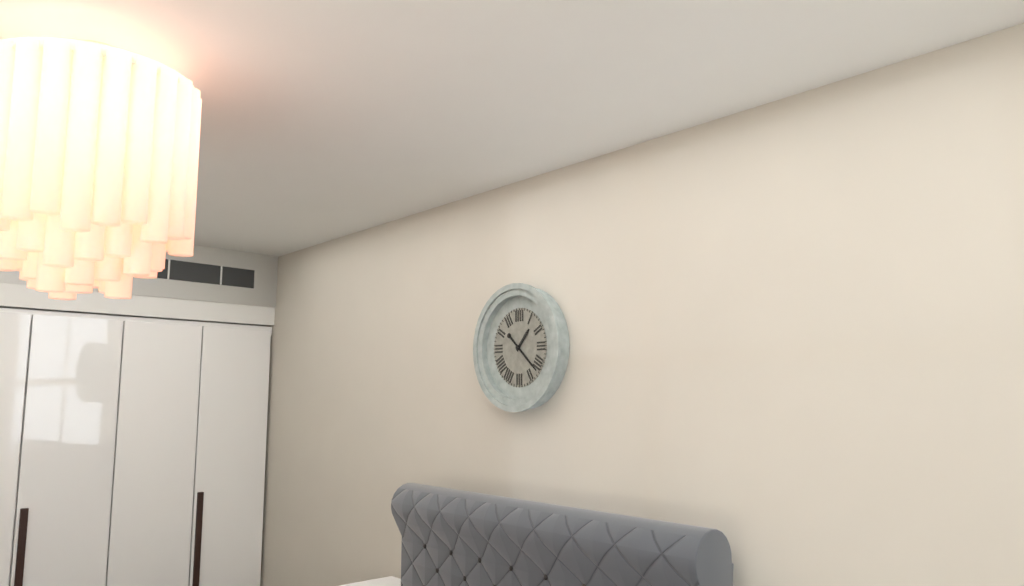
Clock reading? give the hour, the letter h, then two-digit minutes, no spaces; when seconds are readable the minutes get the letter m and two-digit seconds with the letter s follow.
1h22
